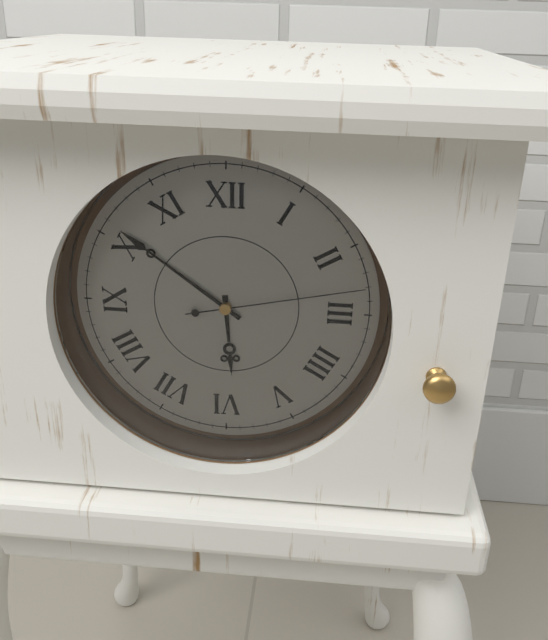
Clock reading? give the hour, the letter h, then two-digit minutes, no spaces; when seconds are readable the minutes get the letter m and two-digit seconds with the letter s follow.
5h51m13s
